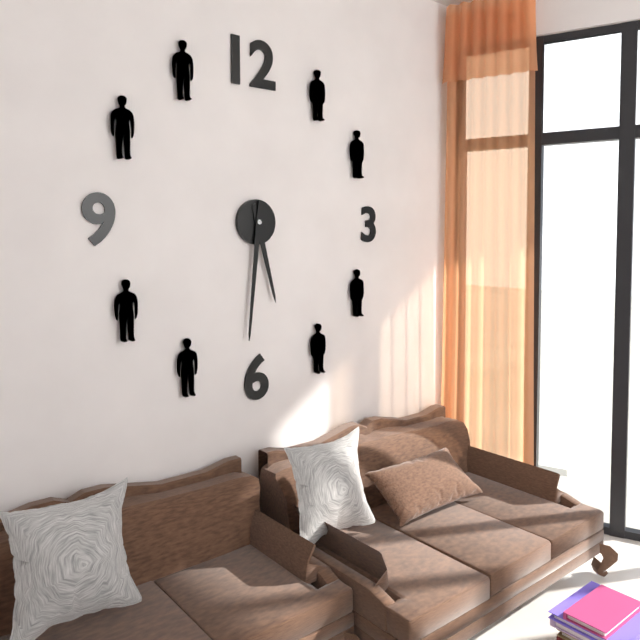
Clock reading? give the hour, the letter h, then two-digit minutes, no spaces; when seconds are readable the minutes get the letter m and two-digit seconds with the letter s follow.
5h31
